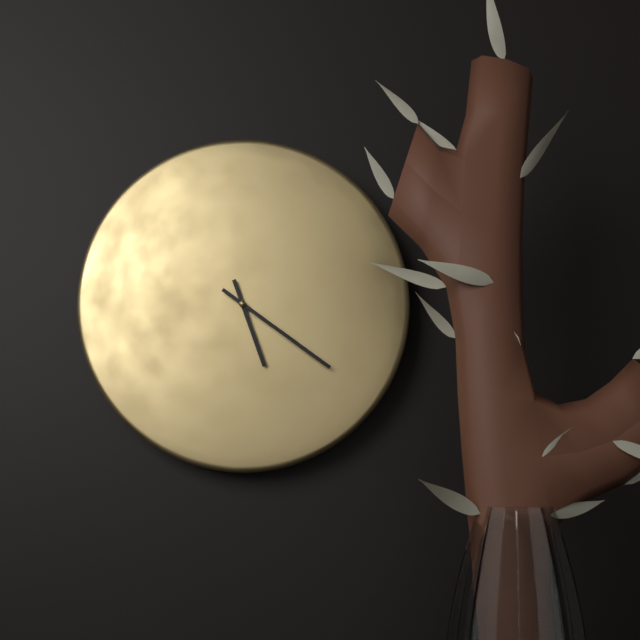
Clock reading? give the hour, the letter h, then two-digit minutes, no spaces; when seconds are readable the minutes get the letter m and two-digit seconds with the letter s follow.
5h21
